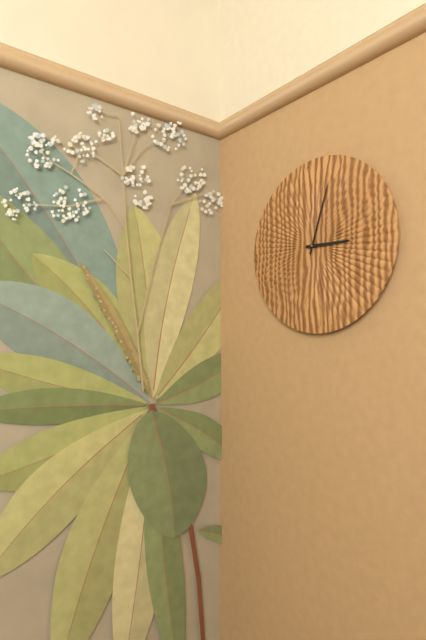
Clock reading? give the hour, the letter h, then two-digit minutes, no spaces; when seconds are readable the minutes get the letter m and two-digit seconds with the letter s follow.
3h03
